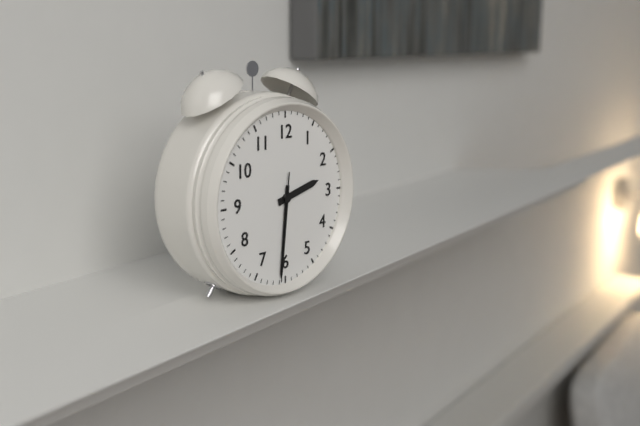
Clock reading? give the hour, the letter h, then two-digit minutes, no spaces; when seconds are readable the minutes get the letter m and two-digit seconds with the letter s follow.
2h31m31s
